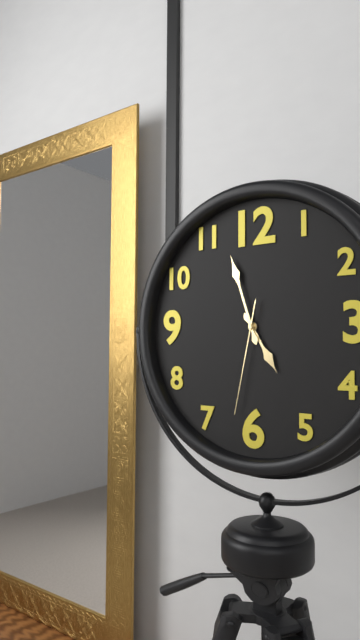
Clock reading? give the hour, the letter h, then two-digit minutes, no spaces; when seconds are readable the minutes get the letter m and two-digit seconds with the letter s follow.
4h57m32s
